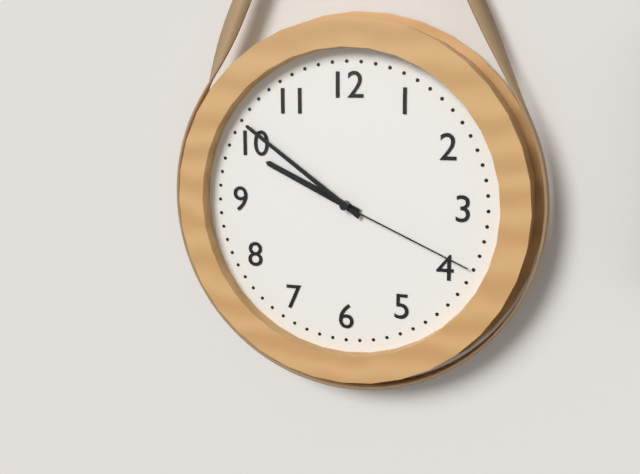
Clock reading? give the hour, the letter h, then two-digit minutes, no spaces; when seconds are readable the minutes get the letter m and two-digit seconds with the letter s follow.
9h51m19s
